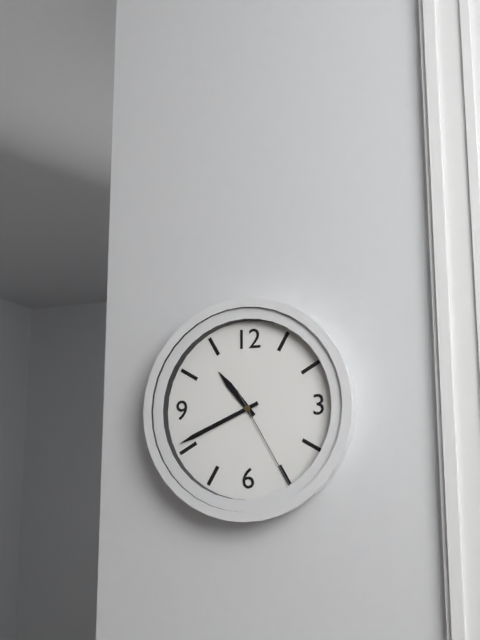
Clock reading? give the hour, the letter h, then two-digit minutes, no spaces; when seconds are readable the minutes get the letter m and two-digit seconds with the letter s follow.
10h41m25s
